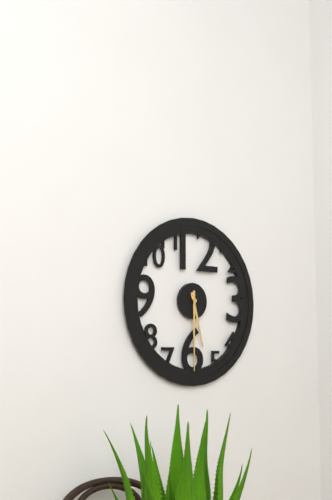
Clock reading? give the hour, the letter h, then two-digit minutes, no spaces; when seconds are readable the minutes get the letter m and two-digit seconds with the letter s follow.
5h30
